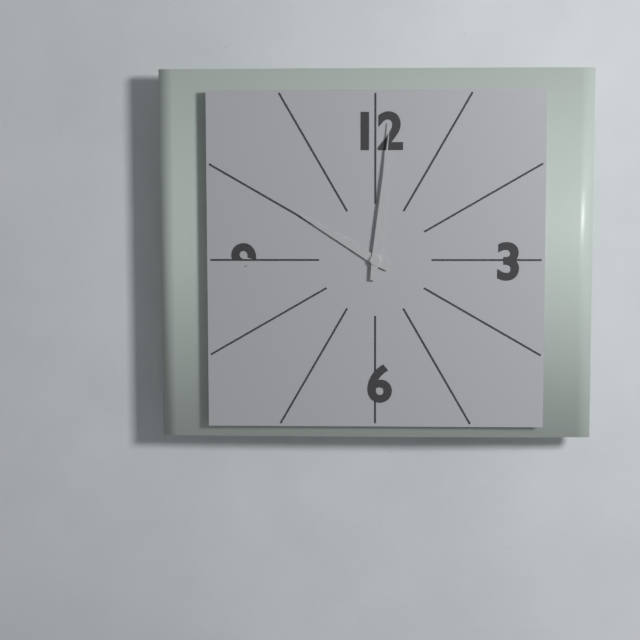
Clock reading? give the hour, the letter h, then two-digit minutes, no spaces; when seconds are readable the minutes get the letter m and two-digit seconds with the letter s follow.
10h01
